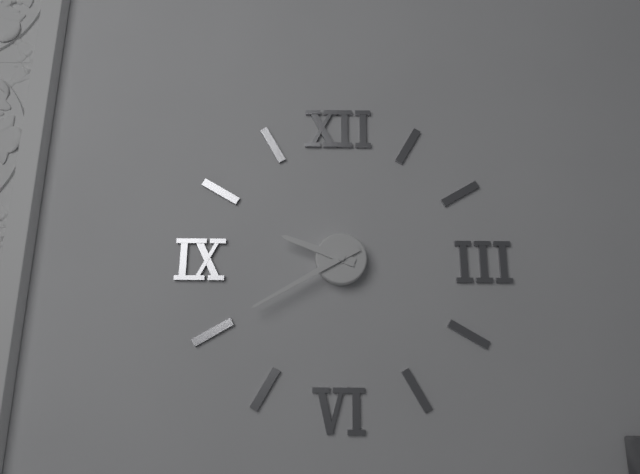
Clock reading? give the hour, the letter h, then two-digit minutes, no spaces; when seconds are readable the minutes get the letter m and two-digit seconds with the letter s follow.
9h40
